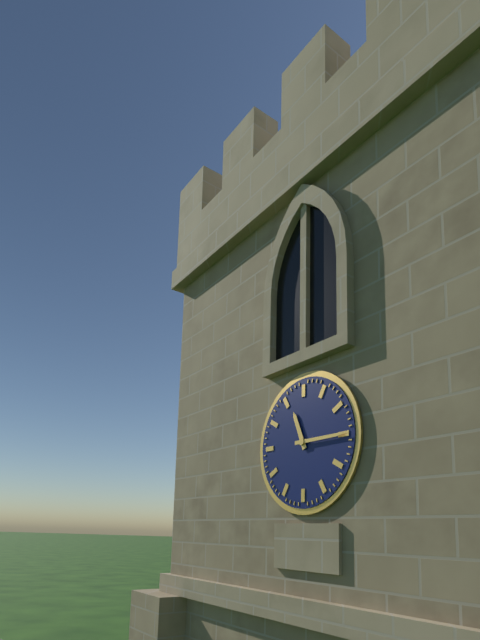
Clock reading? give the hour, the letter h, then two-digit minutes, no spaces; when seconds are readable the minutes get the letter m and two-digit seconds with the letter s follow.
11h15
